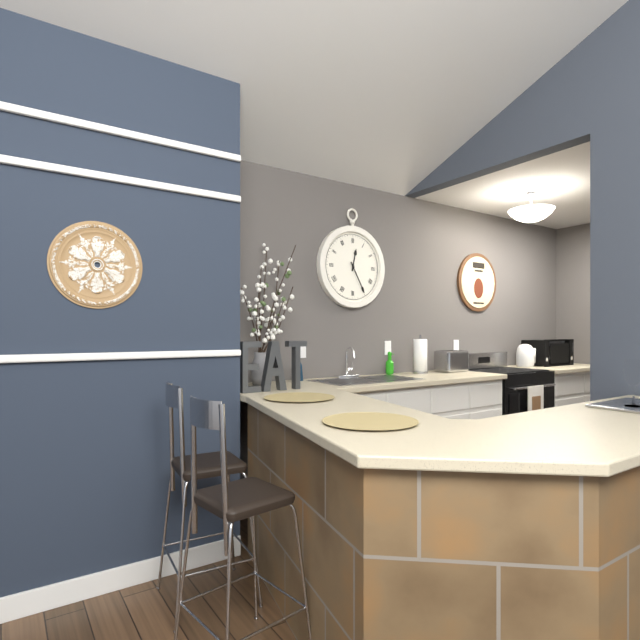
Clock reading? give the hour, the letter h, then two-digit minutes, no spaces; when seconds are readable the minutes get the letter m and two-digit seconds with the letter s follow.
12h25
